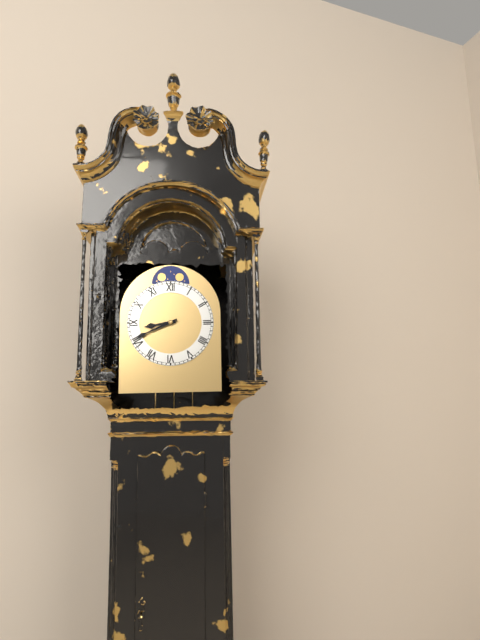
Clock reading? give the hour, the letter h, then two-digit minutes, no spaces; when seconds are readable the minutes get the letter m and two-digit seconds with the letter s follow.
8h41
